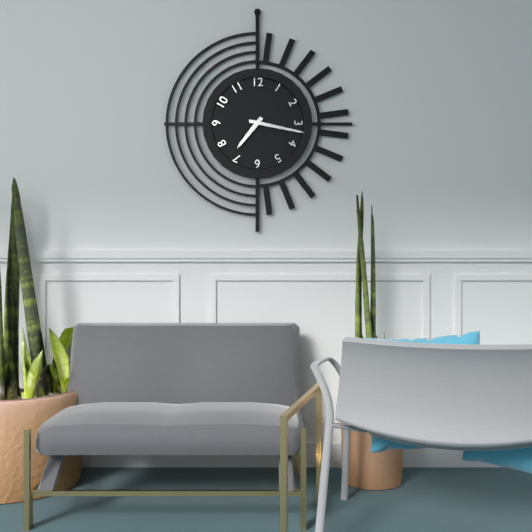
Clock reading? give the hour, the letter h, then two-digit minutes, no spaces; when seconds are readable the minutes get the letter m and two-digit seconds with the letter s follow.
7h17
